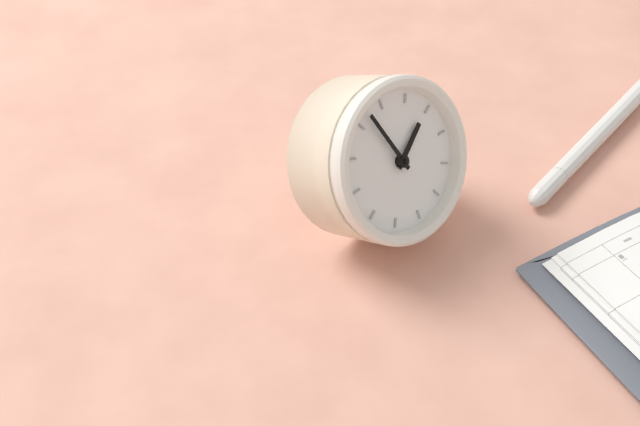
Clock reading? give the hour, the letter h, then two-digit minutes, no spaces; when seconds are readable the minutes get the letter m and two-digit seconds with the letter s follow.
12h52
